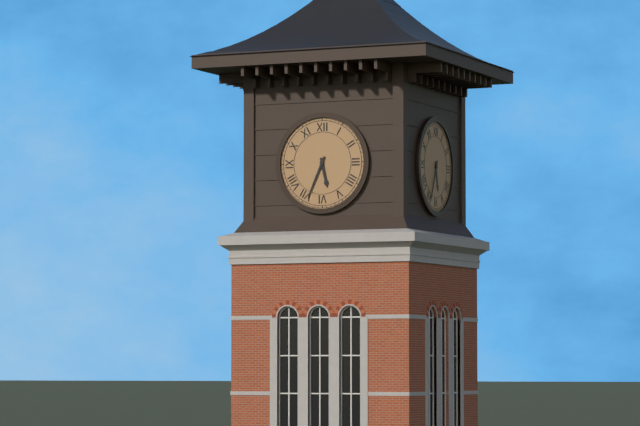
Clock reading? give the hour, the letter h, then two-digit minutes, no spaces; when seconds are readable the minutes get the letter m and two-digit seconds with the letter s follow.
5h34
